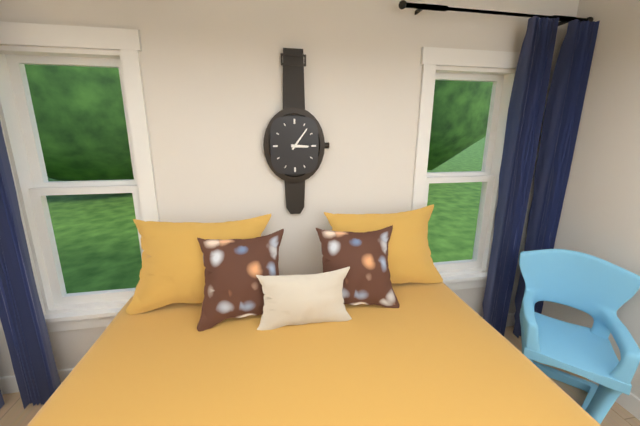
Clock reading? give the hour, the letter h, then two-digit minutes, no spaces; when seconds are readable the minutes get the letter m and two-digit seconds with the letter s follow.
3h06
